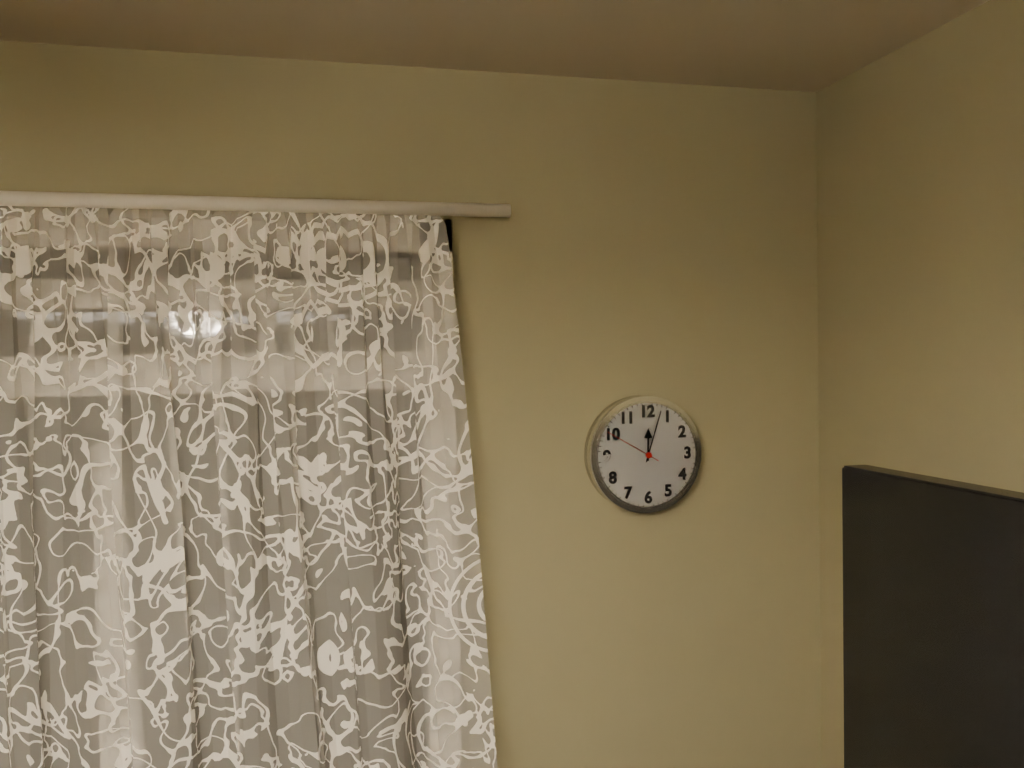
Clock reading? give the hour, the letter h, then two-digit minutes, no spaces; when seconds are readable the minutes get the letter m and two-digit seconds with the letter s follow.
12h03m50s
